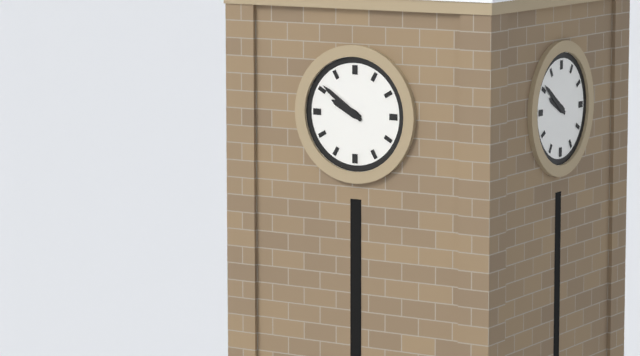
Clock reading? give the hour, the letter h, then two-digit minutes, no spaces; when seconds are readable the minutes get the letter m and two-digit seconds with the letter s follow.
9h51
